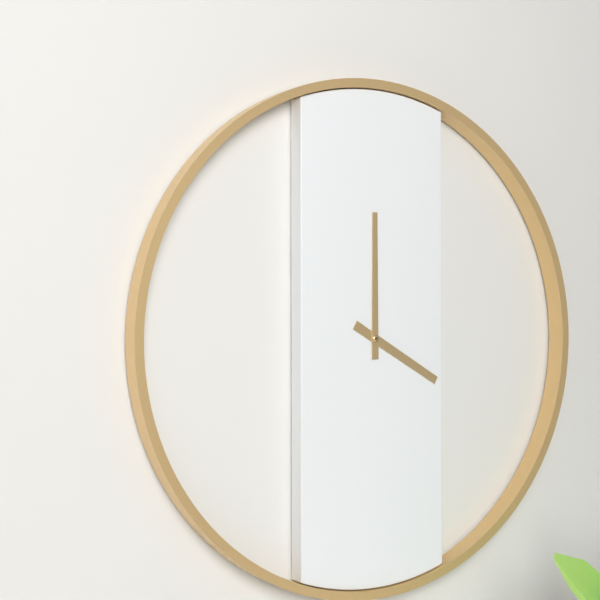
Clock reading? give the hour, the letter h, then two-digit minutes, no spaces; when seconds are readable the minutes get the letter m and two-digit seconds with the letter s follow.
4h00
